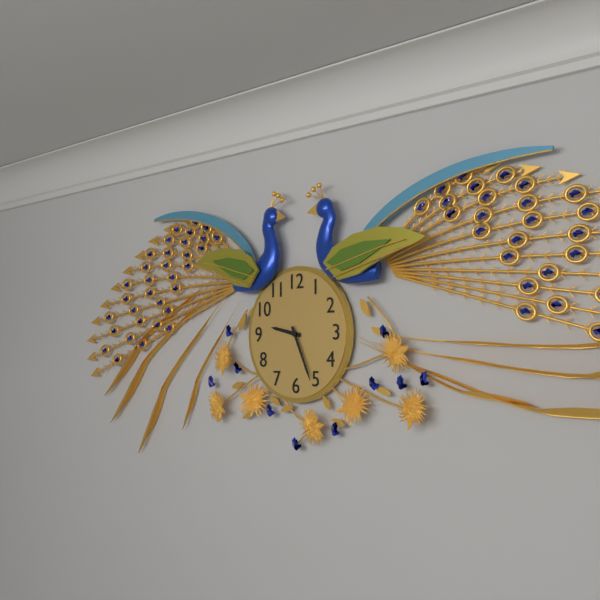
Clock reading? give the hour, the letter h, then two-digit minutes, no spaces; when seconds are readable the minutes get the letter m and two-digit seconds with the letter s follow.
9h26
